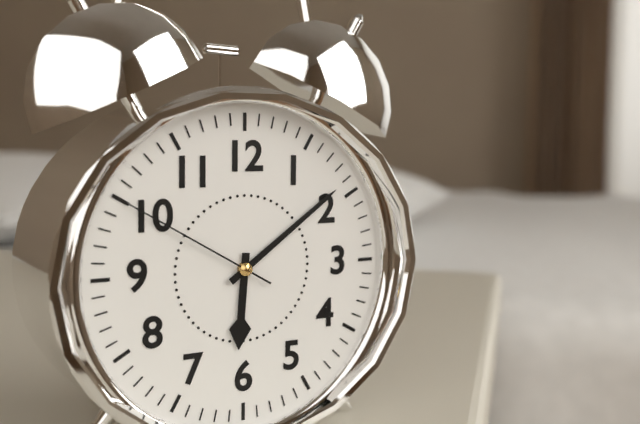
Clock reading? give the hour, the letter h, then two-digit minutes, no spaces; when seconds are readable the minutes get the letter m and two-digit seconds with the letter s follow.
6h09m50s
